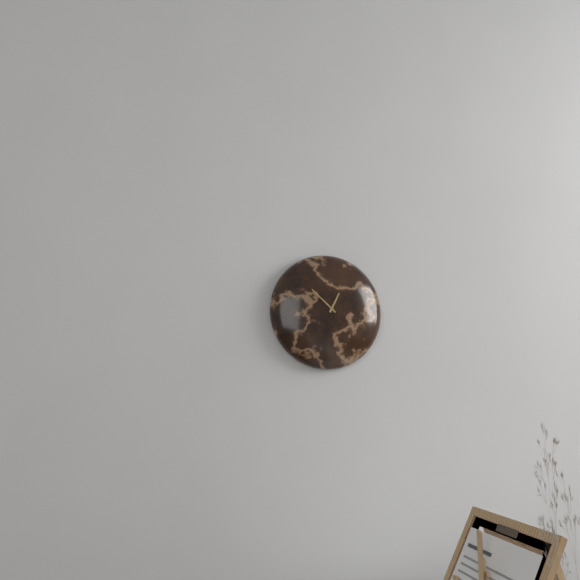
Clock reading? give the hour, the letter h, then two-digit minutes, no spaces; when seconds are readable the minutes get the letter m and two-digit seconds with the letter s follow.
12h52
